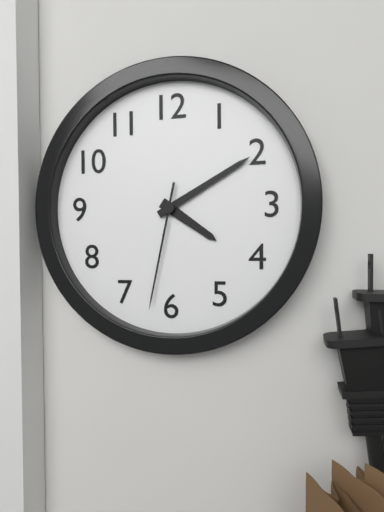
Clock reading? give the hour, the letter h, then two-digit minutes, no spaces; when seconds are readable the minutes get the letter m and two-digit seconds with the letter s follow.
4h10m32s
